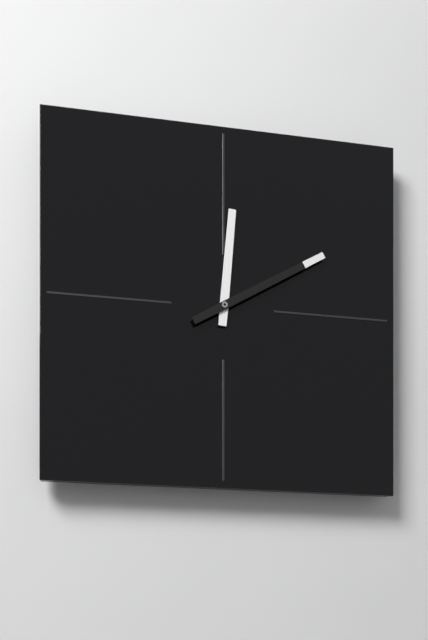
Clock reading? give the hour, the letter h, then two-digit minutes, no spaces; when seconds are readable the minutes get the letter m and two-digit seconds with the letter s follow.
12h10
